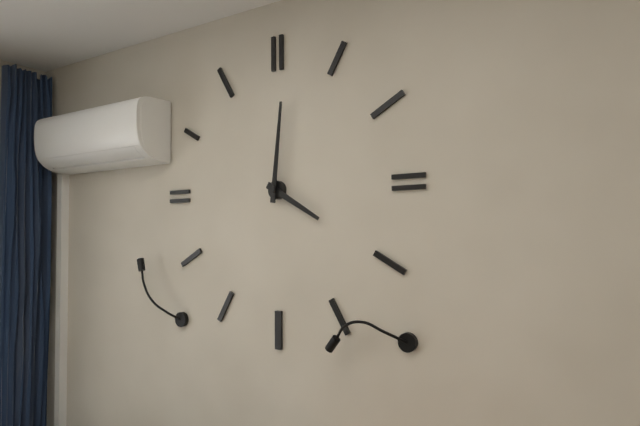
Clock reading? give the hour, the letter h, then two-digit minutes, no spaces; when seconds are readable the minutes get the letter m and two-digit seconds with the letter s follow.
4h01
